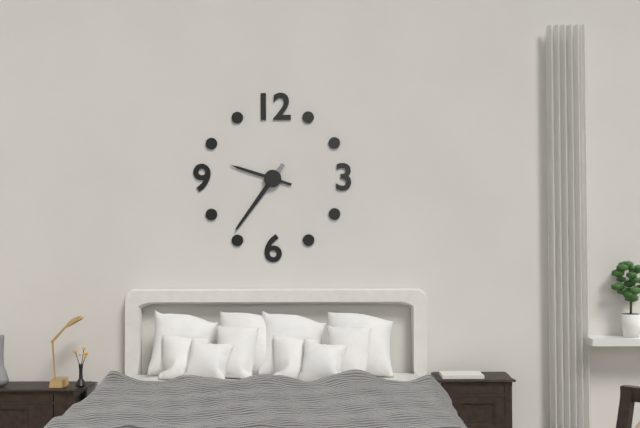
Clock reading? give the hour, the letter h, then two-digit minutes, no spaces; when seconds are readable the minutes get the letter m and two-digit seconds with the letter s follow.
9h36
